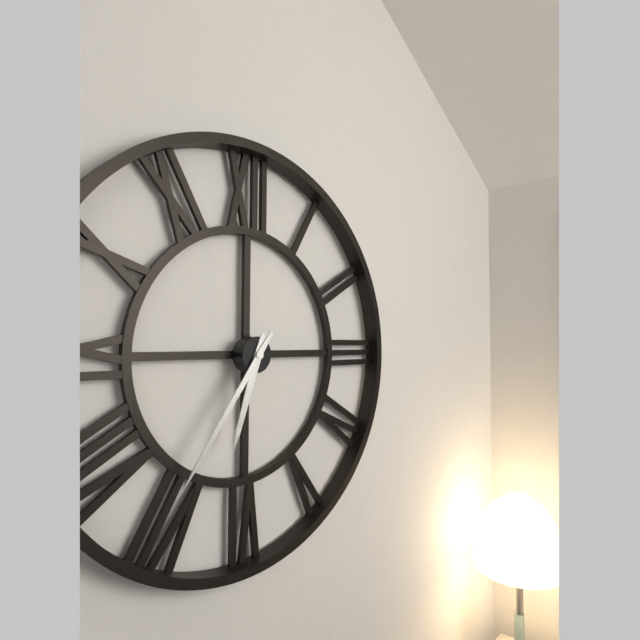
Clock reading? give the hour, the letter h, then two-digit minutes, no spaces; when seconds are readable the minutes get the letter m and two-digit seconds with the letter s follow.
6h36
